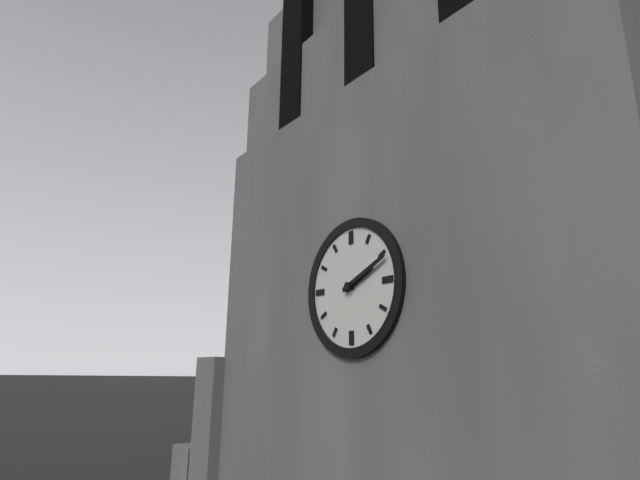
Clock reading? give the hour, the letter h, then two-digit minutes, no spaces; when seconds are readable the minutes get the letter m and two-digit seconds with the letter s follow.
2h11
